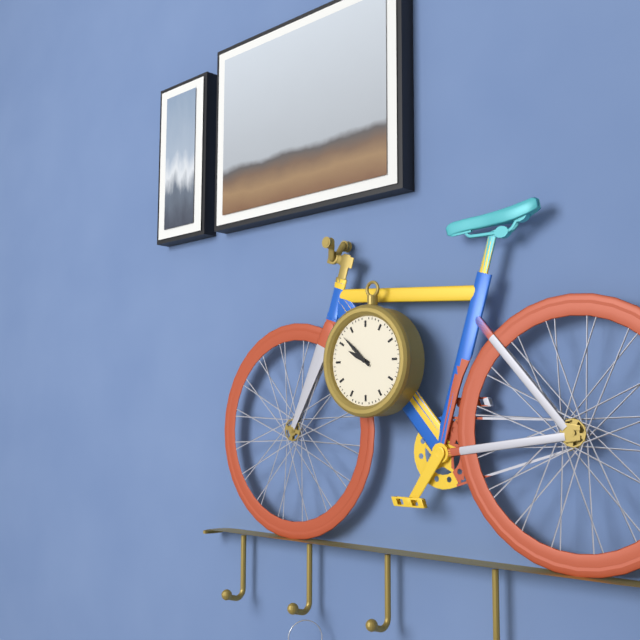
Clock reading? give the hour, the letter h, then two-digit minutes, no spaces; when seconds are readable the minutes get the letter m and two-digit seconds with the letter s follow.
9h52
